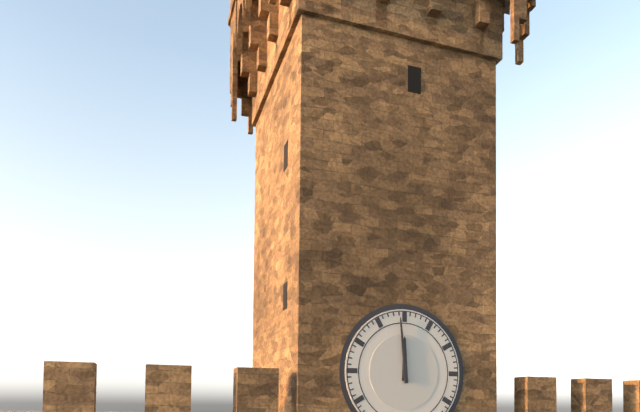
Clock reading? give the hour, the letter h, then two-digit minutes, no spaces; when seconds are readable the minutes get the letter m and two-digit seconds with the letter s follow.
11h59
